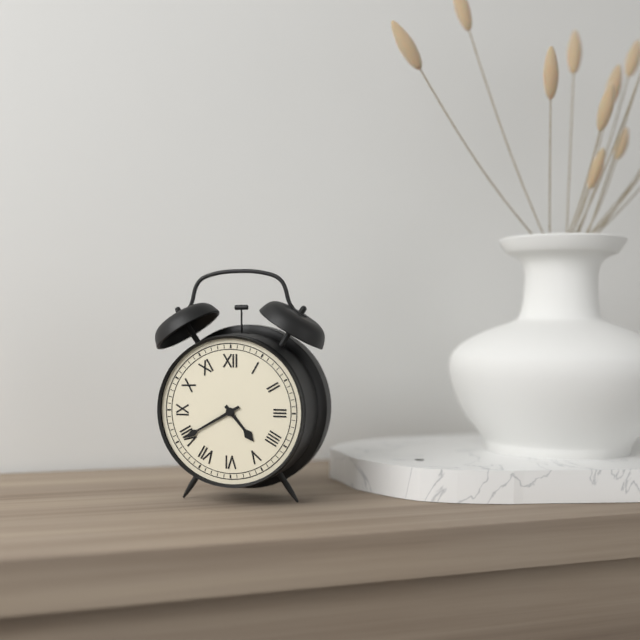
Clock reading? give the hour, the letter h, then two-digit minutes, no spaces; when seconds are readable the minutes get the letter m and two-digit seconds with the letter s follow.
4h40
